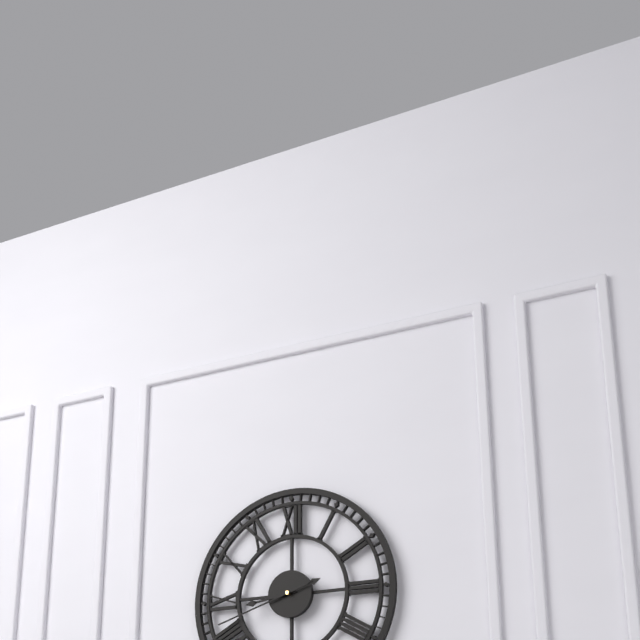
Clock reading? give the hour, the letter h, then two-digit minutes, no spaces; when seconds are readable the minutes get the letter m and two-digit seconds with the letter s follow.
8h42
